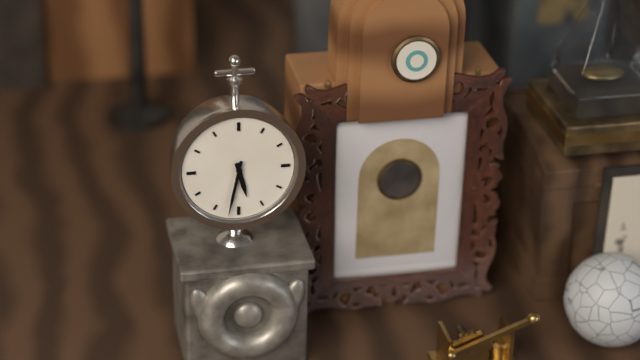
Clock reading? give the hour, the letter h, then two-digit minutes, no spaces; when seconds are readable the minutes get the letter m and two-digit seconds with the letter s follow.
5h32
